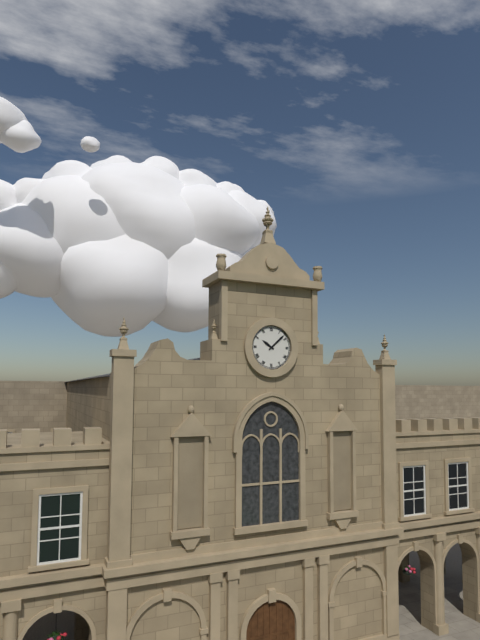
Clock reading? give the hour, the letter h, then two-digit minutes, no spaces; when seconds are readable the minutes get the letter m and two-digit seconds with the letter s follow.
10h08
